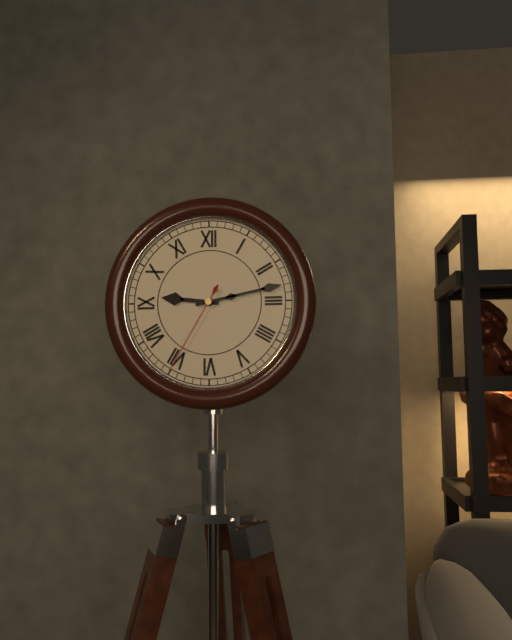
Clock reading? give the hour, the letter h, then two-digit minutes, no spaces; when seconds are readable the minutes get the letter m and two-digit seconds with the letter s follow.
9h13m35s
